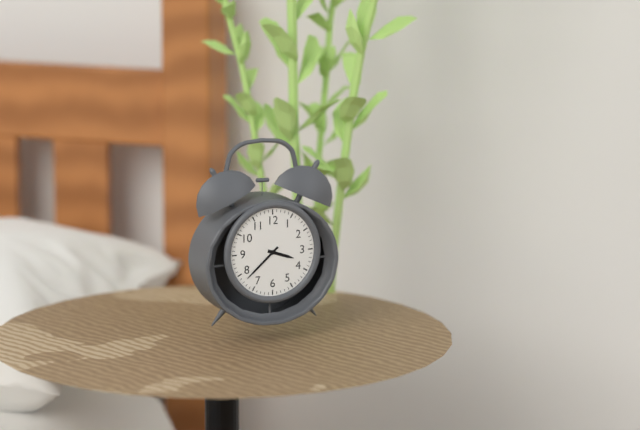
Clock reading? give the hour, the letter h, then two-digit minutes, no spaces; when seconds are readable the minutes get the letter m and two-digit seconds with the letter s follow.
3h38
